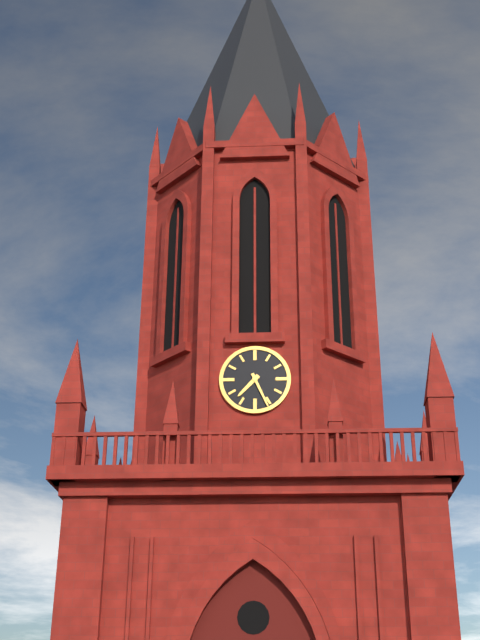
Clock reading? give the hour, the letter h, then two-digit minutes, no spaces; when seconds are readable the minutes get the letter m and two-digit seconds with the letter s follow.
7h26
